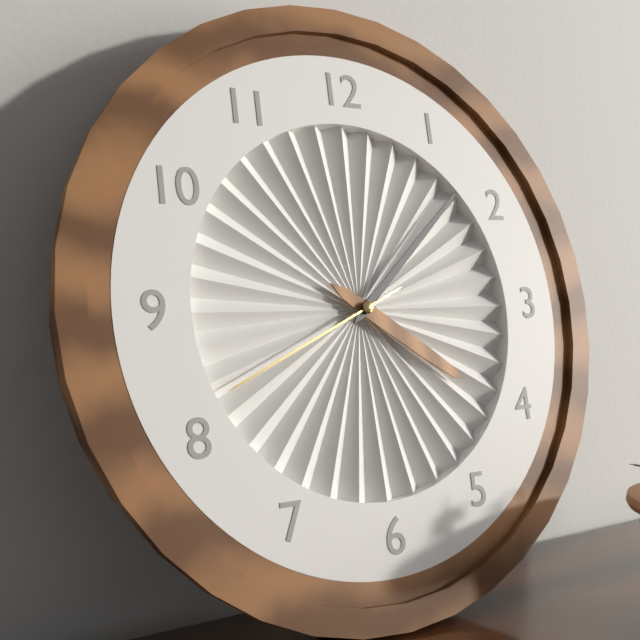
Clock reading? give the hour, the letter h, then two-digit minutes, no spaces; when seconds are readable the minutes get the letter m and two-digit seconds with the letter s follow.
4h08m41s
